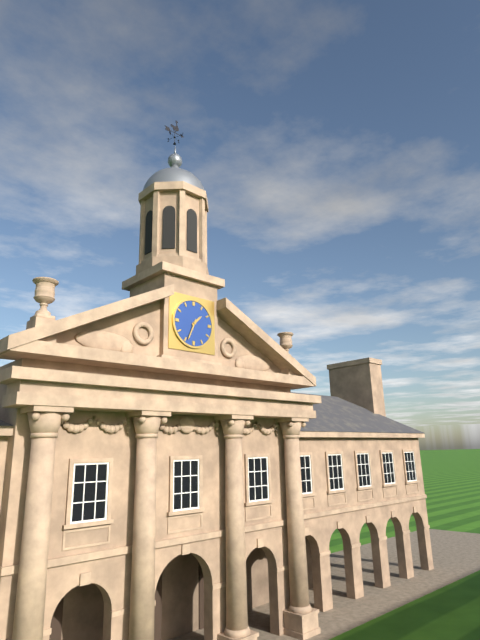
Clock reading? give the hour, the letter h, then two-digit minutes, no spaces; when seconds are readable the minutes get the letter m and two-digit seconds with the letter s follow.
1h34
